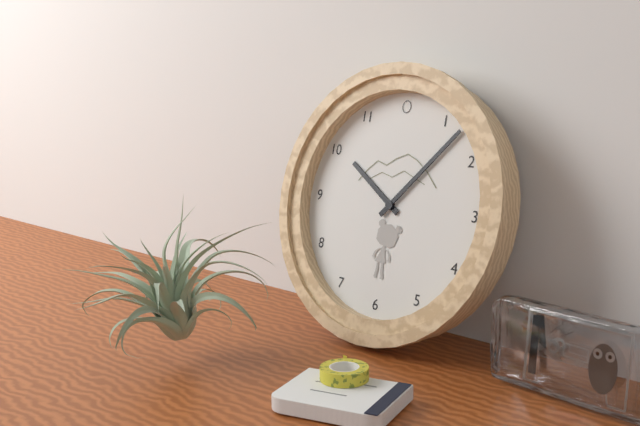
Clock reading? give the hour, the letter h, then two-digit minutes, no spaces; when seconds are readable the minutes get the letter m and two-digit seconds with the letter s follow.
10h07
